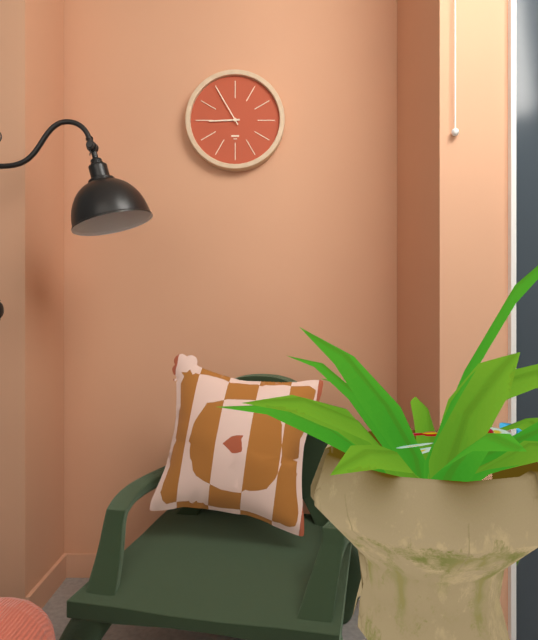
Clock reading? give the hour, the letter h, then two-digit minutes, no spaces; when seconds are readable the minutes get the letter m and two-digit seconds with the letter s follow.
8h55
